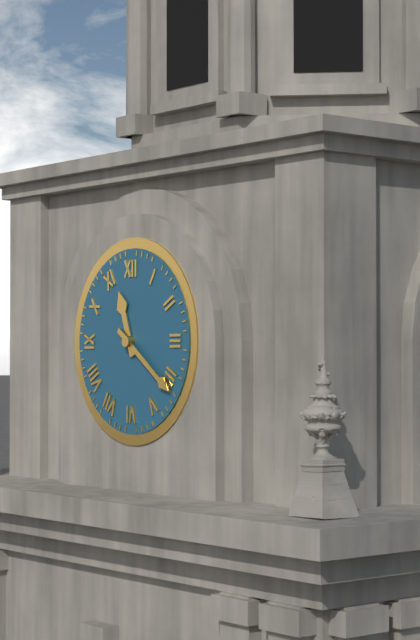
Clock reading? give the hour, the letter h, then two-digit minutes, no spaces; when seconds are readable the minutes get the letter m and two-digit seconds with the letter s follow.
11h21
